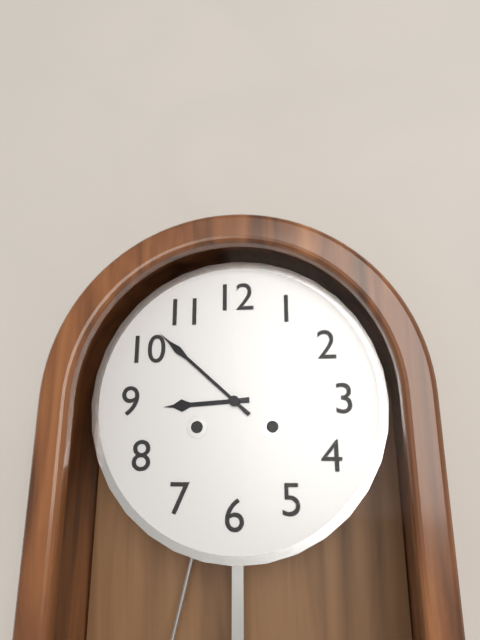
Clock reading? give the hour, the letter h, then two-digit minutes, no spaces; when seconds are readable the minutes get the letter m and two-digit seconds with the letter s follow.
8h52
